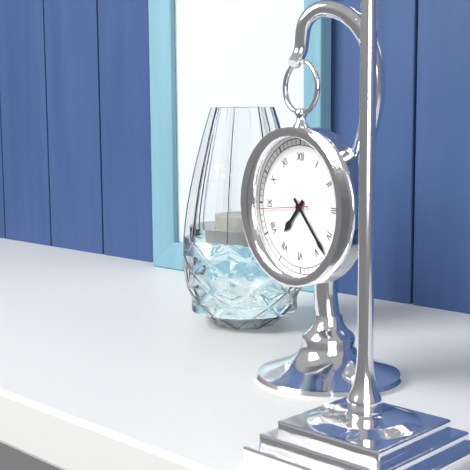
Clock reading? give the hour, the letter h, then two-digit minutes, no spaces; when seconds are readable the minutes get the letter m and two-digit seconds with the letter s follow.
7h23m44s
